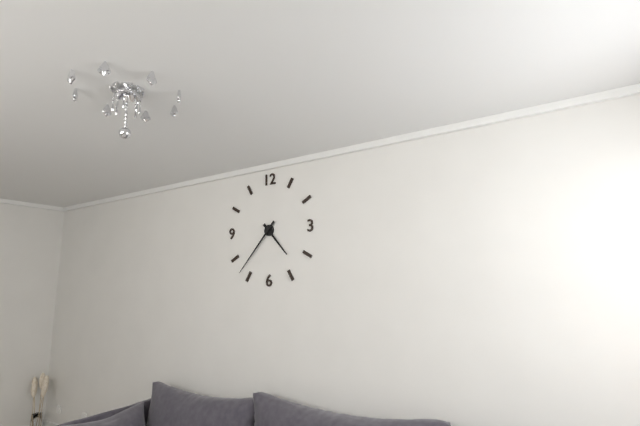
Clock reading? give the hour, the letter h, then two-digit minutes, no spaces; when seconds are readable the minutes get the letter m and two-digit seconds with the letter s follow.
4h37
